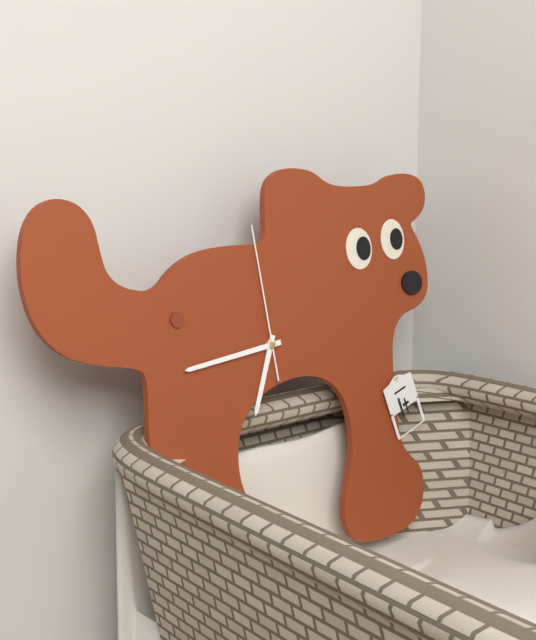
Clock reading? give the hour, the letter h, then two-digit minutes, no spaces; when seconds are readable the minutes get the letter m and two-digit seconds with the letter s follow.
6h44m59s
